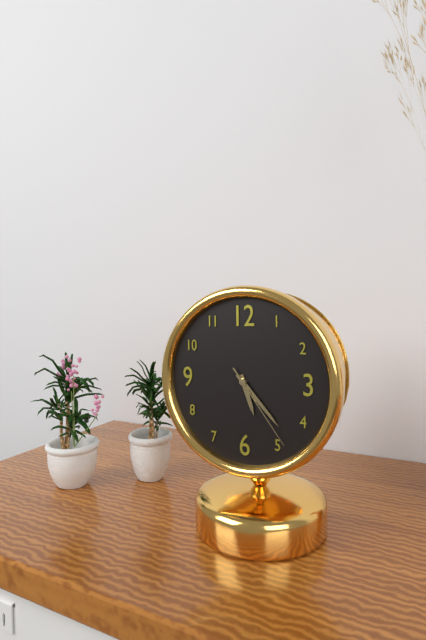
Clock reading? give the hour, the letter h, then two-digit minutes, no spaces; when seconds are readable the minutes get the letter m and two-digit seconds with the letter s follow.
5h23m24s
